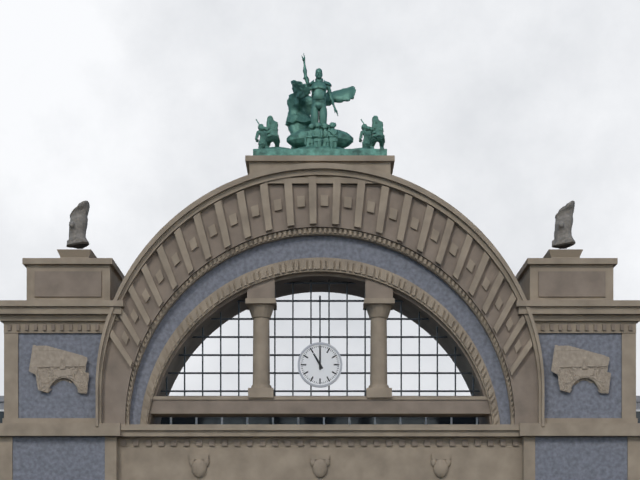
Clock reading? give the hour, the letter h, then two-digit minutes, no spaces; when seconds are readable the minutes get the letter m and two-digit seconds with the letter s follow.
11h00
